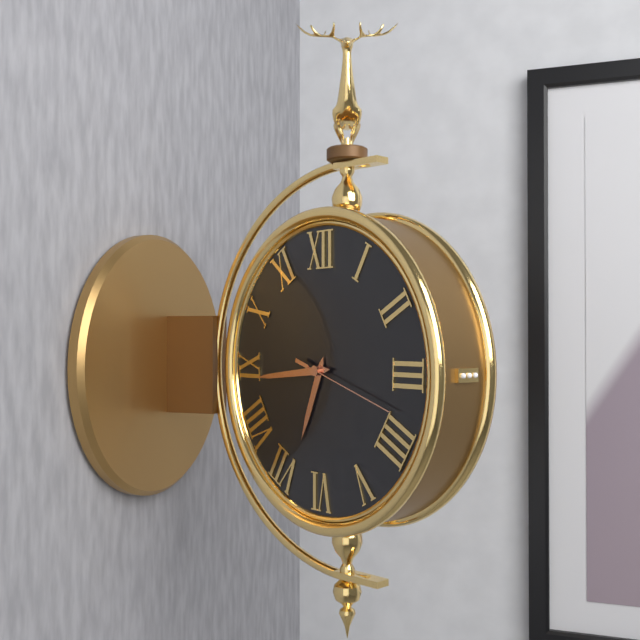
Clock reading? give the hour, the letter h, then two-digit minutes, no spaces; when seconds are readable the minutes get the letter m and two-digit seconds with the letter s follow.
6h44m18s
